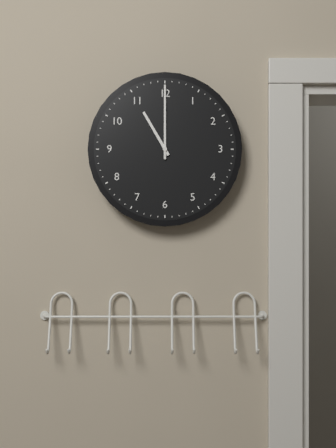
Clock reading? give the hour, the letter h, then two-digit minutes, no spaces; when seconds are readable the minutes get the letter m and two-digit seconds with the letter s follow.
11h00
